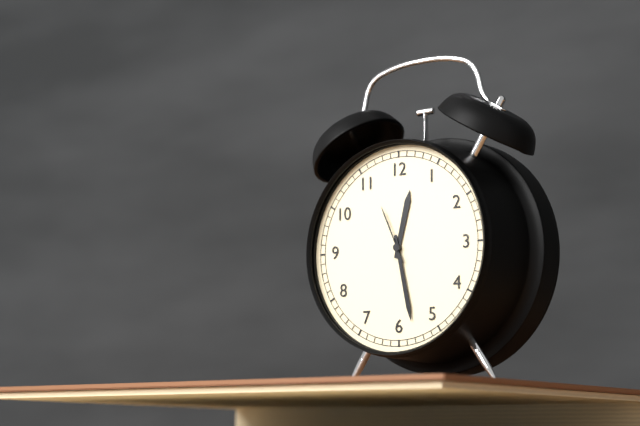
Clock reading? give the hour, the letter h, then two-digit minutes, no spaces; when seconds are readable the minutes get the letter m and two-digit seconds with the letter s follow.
12h28m56s
